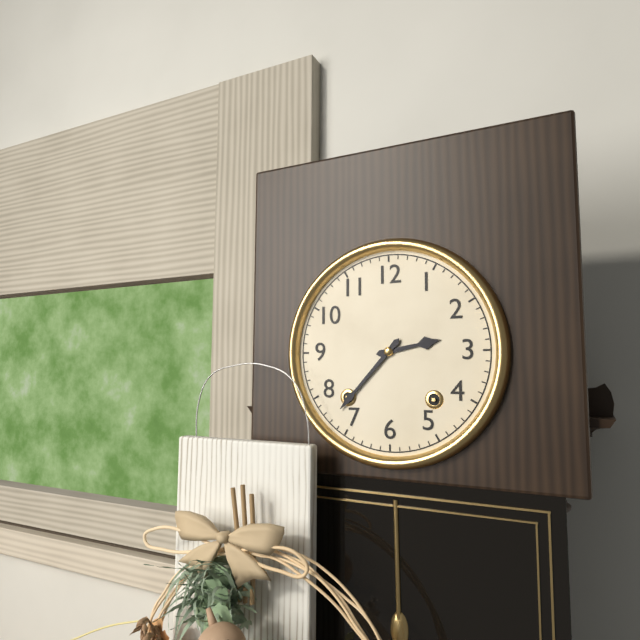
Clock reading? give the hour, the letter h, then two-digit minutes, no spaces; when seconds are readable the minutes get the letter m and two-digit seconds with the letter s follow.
2h37
